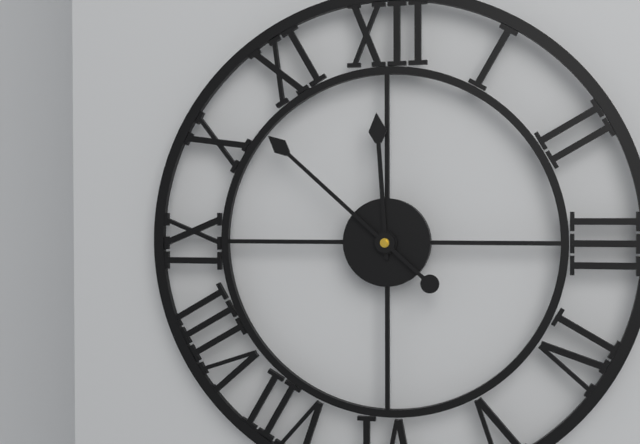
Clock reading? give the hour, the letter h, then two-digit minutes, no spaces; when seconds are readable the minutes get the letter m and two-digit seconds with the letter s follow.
11h52
